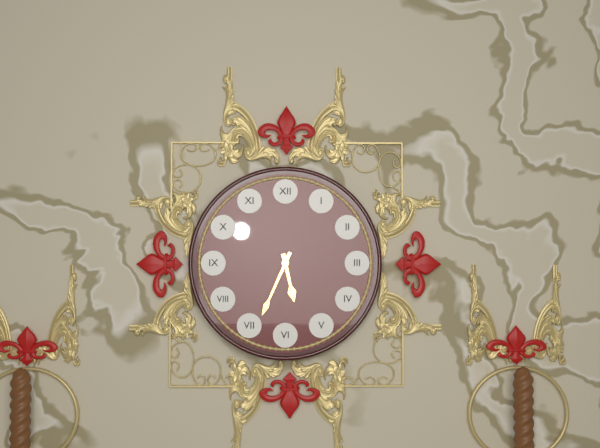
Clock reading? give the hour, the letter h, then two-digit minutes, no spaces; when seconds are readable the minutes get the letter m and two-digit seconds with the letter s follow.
5h34
